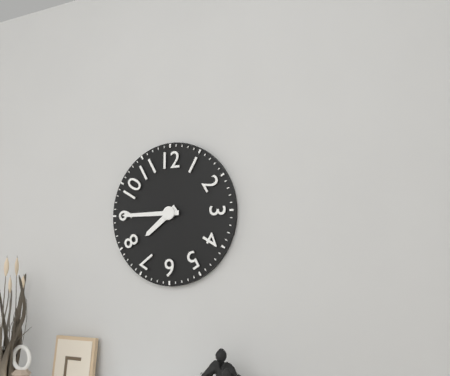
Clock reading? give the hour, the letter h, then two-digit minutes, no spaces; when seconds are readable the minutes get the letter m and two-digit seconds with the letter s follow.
7h45
